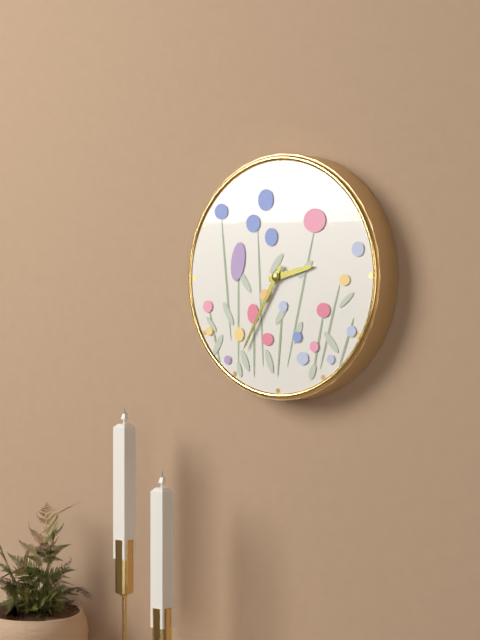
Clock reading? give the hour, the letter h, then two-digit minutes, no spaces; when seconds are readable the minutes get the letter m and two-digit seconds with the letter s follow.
2h35
